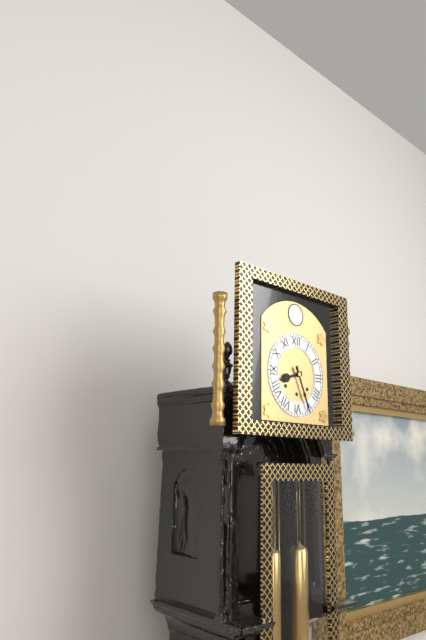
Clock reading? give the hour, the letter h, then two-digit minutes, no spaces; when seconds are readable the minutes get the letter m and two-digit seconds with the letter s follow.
8h26
